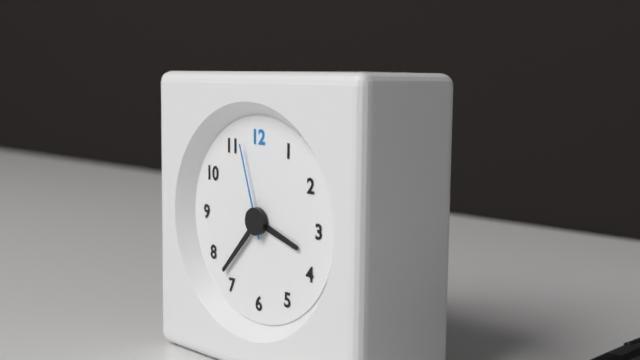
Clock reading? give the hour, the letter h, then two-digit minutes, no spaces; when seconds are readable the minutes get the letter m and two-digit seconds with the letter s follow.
3h37m57s
